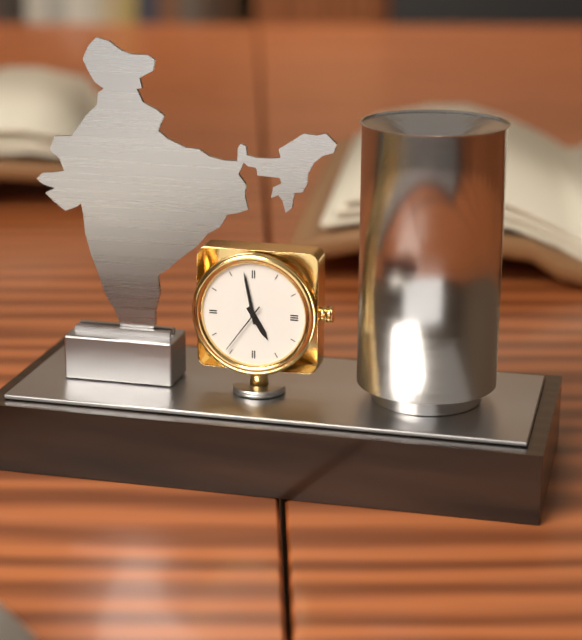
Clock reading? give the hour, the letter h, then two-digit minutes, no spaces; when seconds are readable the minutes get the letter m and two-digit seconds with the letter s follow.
4h58m36s
